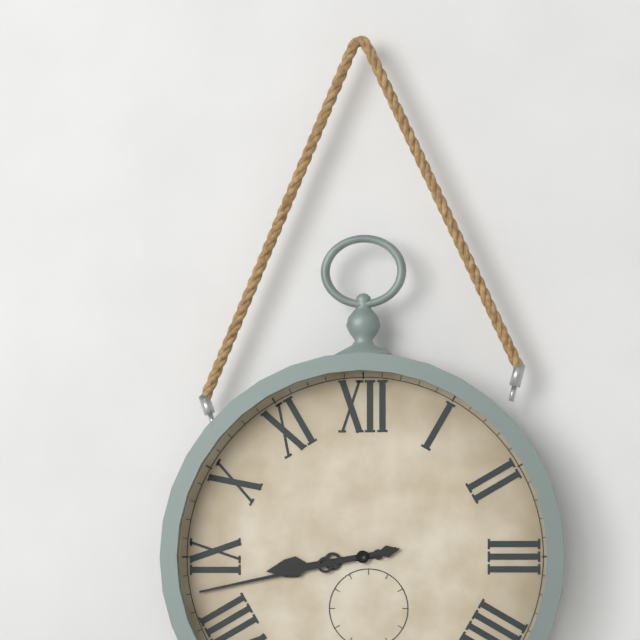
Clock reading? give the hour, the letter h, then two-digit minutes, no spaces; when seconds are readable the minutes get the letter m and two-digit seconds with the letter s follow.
8h43
